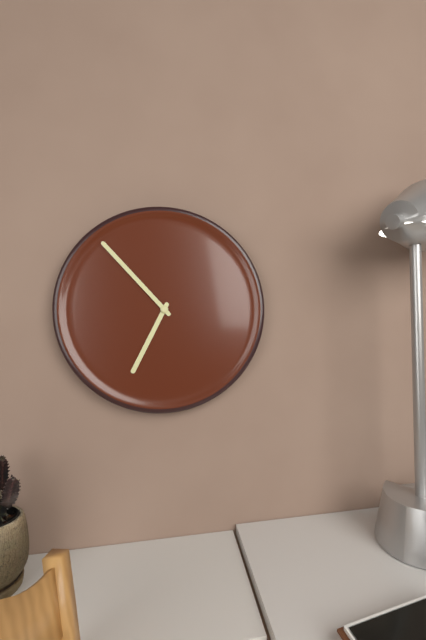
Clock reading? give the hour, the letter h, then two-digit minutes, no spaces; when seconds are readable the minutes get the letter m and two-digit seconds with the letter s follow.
6h53
